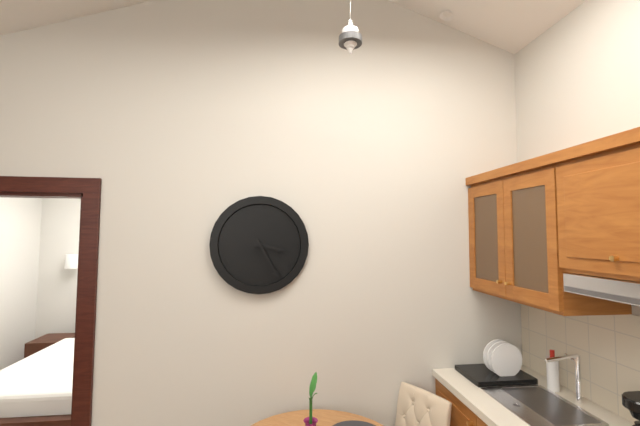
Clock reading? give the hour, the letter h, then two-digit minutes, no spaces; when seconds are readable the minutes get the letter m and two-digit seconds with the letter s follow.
3h25
